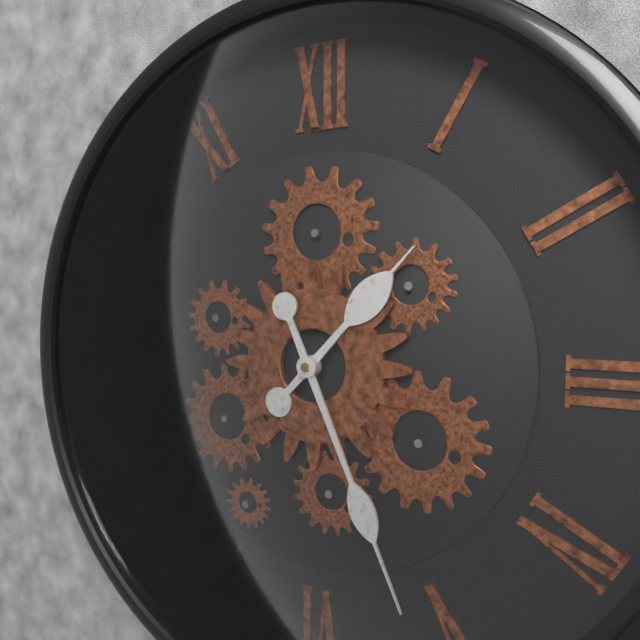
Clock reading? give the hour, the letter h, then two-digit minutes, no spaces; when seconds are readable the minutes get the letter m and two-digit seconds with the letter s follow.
1h26
